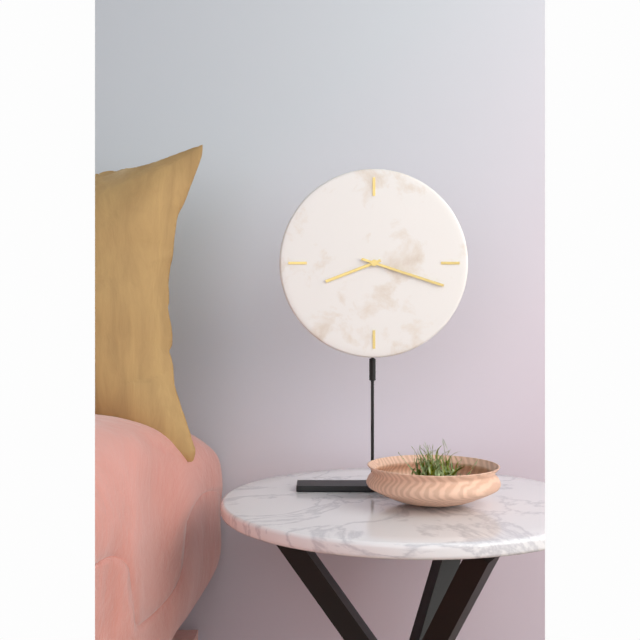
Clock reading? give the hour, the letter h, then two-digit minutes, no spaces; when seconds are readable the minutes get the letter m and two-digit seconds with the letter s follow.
8h18
